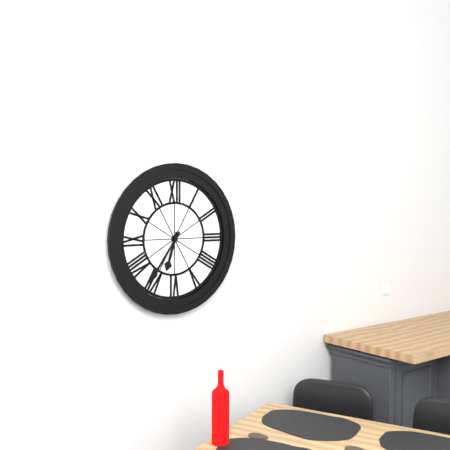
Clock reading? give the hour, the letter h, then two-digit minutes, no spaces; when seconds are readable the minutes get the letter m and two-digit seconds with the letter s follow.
6h36
